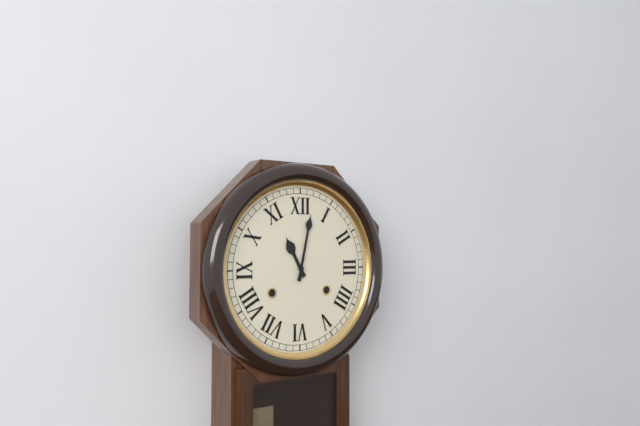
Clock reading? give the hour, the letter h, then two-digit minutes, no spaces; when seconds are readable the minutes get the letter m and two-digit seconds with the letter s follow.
11h02
